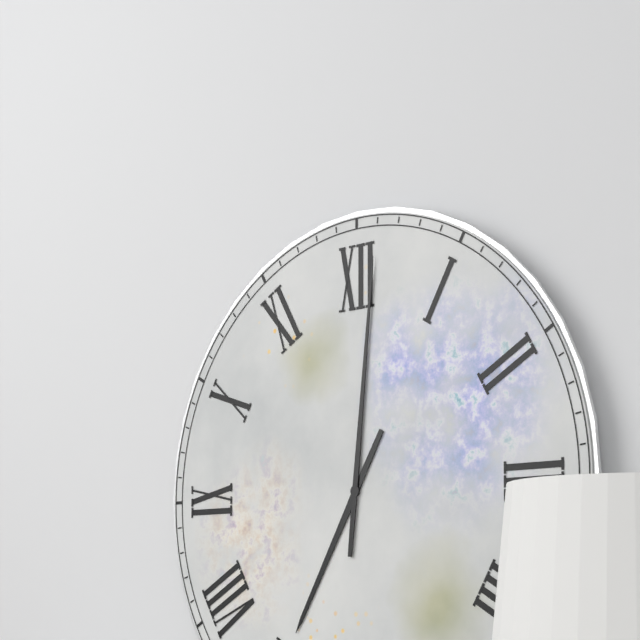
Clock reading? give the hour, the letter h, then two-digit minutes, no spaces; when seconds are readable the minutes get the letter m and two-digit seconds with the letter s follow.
7h01
